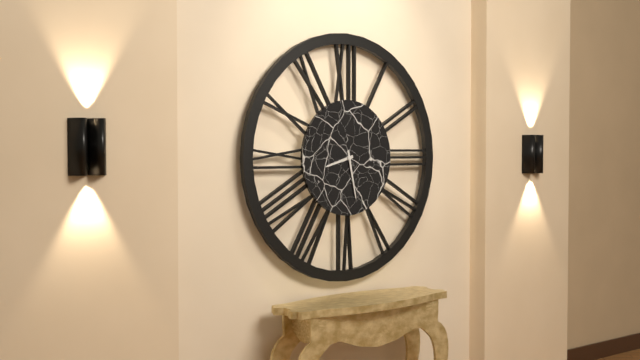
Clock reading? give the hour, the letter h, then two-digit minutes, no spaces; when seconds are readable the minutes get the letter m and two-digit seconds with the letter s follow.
8h28
